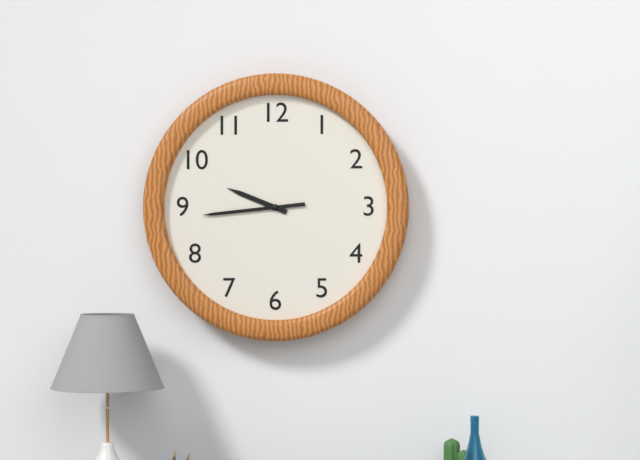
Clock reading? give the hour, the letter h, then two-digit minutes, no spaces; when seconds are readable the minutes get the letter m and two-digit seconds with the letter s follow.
9h44
